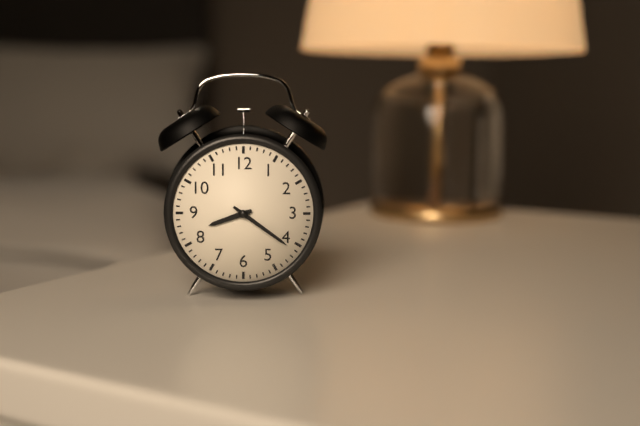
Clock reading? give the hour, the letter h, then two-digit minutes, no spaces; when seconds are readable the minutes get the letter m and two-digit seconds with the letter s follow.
8h21
